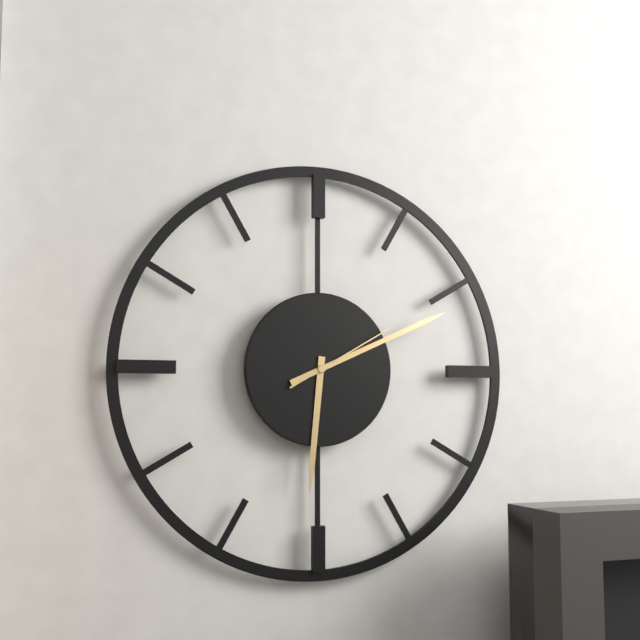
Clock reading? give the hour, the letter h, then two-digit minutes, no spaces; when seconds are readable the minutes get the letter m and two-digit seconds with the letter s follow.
6h11m10s
